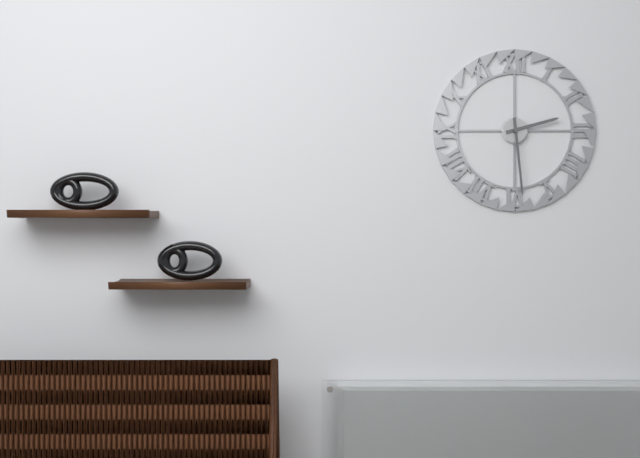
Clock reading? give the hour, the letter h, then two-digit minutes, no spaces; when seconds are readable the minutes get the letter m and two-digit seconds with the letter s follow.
2h29
